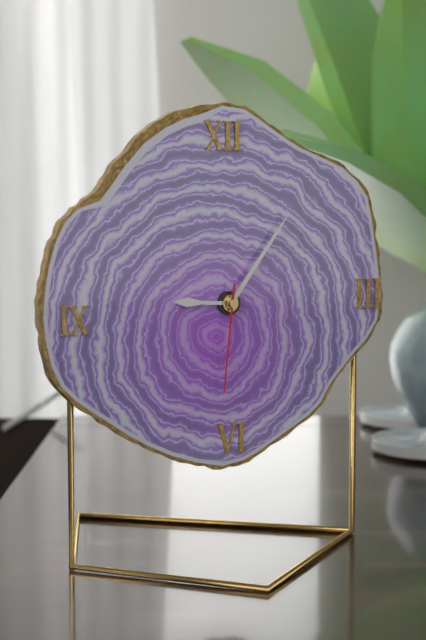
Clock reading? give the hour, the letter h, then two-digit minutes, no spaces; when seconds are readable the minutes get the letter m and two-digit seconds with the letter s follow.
9h06m31s
